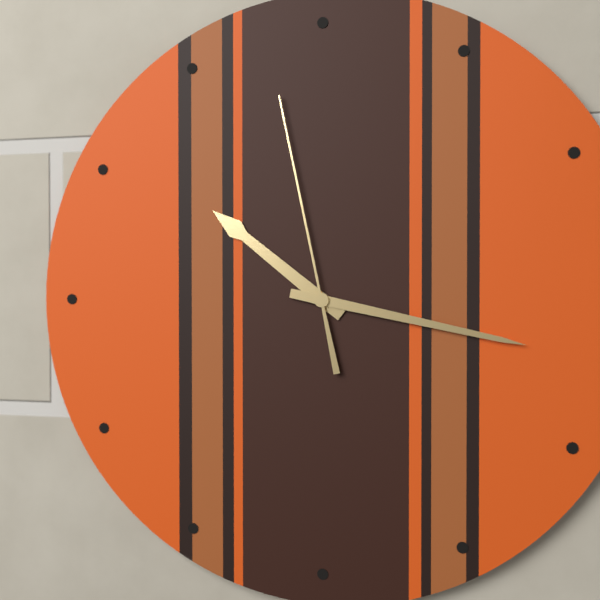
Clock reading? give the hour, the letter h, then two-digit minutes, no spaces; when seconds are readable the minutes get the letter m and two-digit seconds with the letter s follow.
10h17m58s
